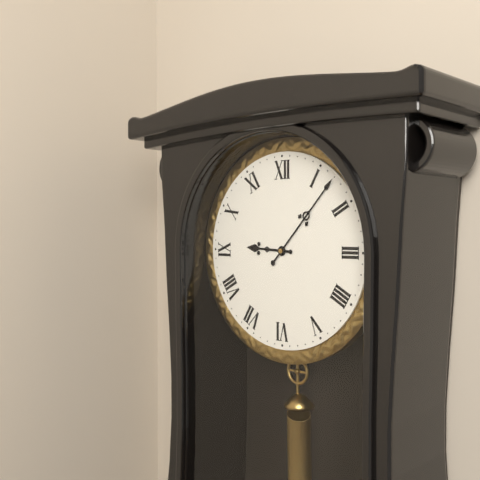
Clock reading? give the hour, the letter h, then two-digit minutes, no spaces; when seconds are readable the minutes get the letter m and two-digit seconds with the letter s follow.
9h07
